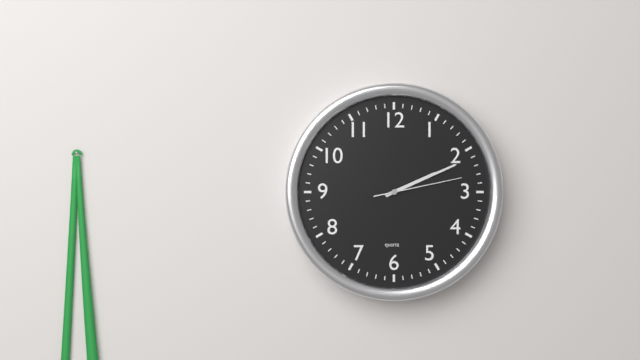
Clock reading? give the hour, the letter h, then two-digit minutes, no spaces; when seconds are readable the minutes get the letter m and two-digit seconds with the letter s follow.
2h11m13s
